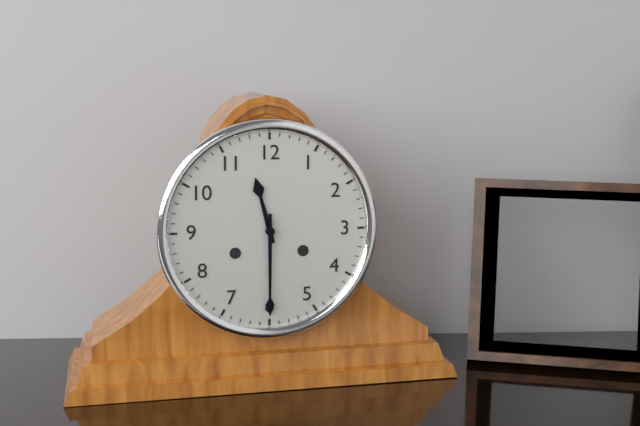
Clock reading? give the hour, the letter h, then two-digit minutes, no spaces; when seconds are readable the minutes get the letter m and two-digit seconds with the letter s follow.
11h30
